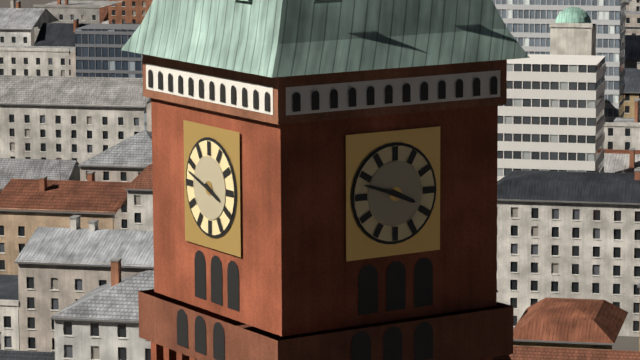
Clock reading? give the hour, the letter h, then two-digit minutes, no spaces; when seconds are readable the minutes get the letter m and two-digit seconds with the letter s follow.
3h48
